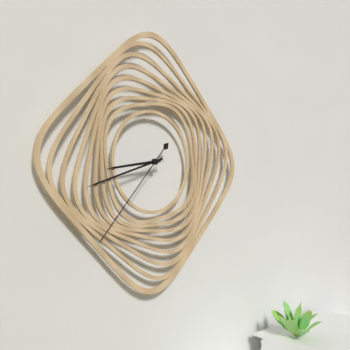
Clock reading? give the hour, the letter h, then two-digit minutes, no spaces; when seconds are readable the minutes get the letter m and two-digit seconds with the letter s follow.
8h42m37s
